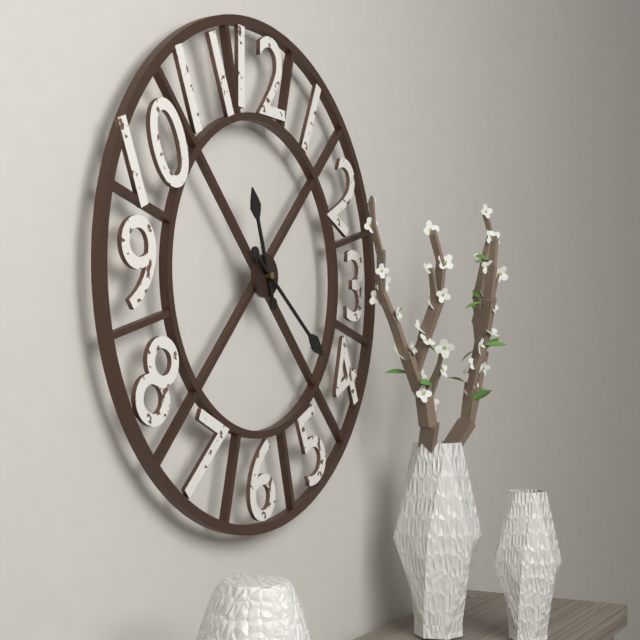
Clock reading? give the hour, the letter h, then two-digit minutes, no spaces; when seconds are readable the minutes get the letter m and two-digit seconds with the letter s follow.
11h21
